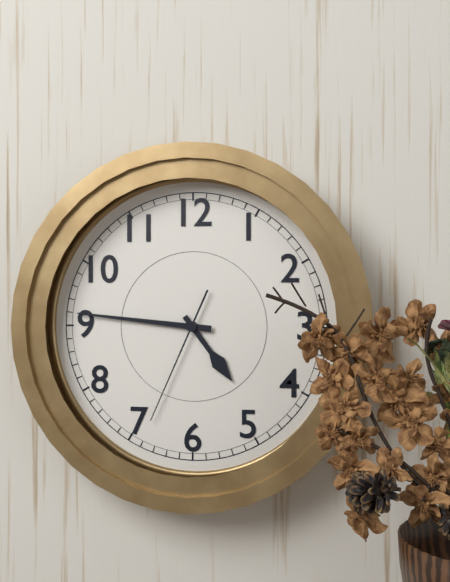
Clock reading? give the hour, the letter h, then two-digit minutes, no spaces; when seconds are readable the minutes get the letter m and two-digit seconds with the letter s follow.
4h46m34s
